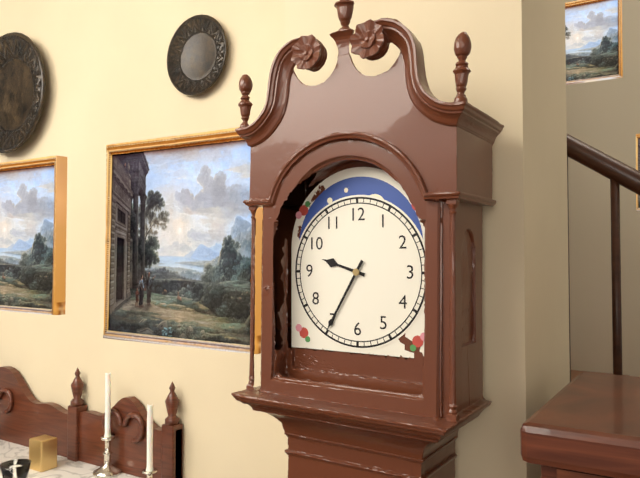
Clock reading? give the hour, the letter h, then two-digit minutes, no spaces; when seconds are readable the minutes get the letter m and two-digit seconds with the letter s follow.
9h35
